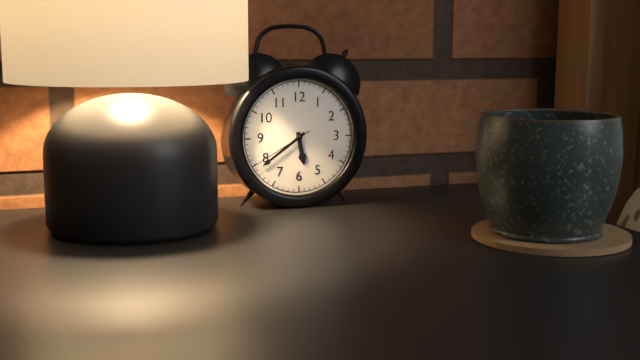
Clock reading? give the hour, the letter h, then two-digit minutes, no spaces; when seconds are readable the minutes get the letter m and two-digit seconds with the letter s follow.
5h39m40s
